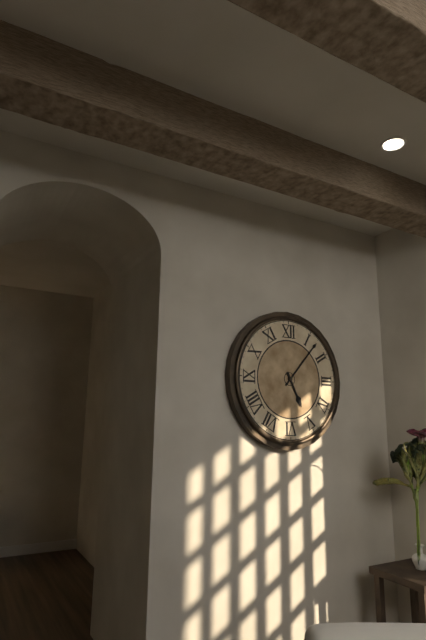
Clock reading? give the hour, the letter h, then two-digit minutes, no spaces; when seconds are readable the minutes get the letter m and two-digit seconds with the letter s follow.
5h07
